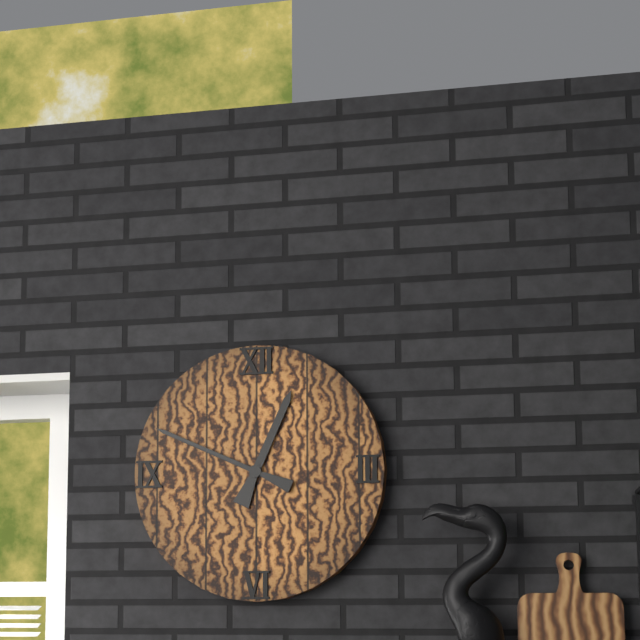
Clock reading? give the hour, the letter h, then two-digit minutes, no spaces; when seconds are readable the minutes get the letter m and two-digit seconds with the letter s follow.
12h49
